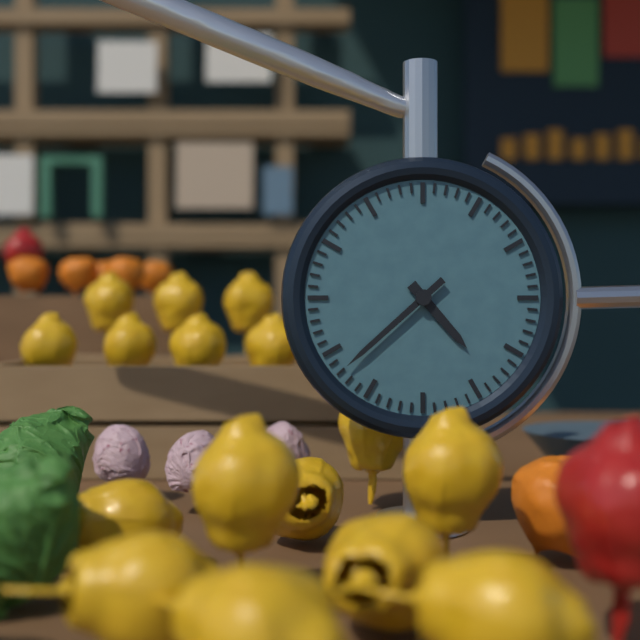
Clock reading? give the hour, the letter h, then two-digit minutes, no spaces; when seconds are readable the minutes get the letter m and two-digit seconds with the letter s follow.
4h38
